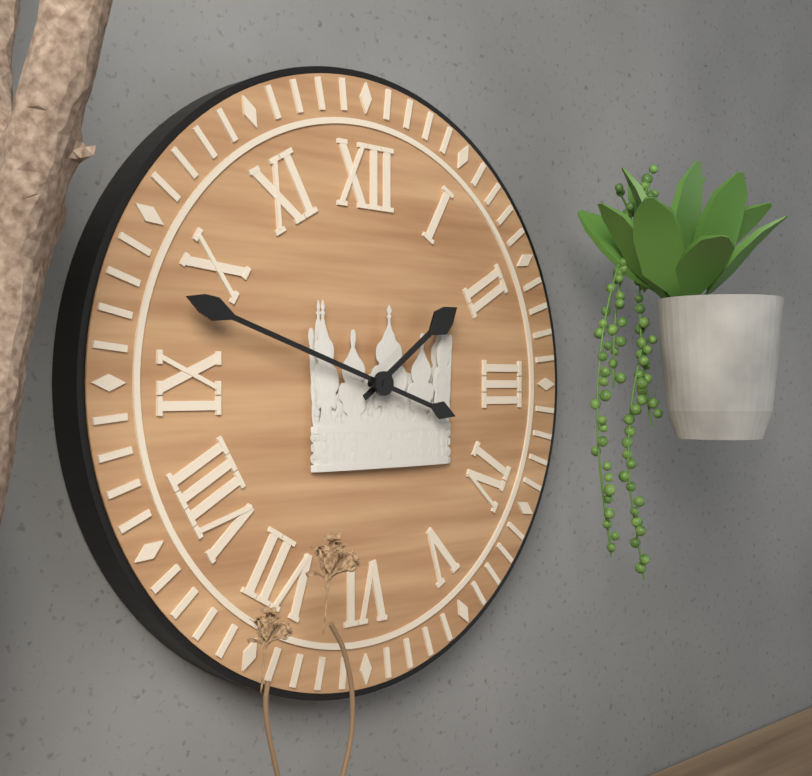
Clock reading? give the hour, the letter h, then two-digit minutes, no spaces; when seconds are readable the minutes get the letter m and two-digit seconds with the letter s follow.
1h48
